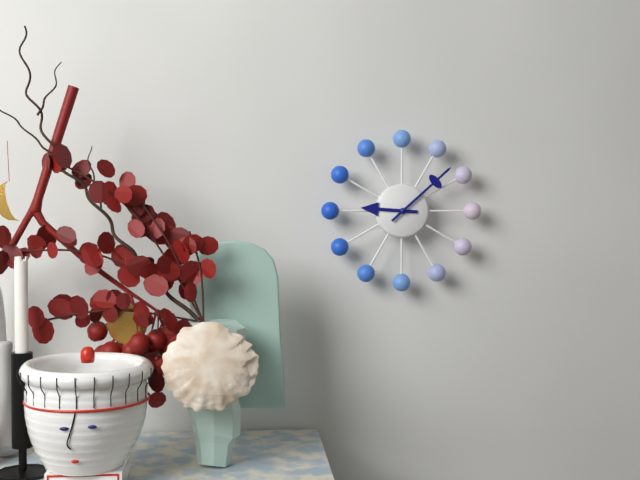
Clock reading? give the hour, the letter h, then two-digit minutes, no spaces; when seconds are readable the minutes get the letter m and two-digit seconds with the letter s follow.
9h08
